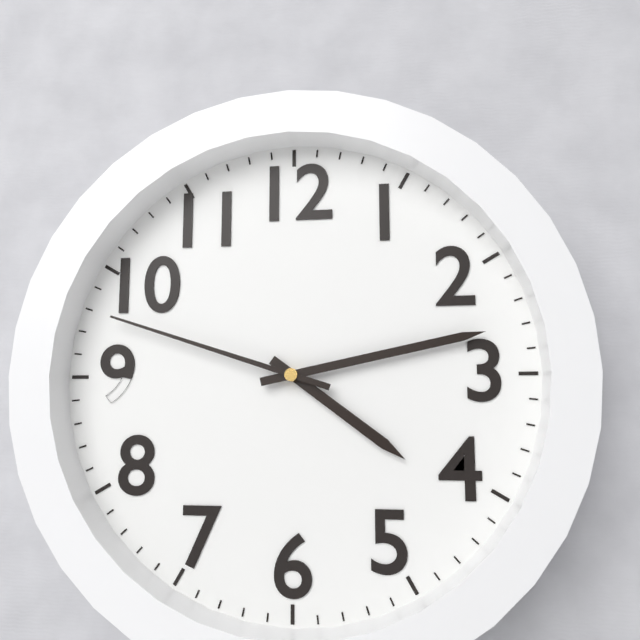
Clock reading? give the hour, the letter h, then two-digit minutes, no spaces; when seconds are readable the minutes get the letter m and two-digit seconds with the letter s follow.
4h13m48s
